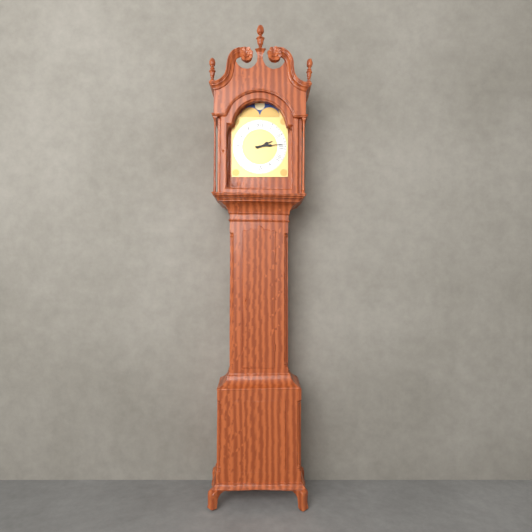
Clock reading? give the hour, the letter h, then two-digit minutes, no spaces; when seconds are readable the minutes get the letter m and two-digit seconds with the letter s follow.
2h14
